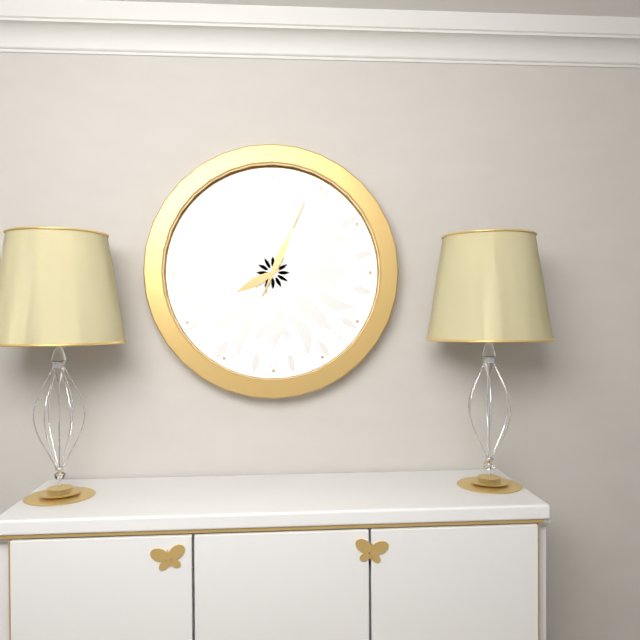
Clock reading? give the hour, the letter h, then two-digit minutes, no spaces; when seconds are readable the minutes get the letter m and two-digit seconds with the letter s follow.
8h04
